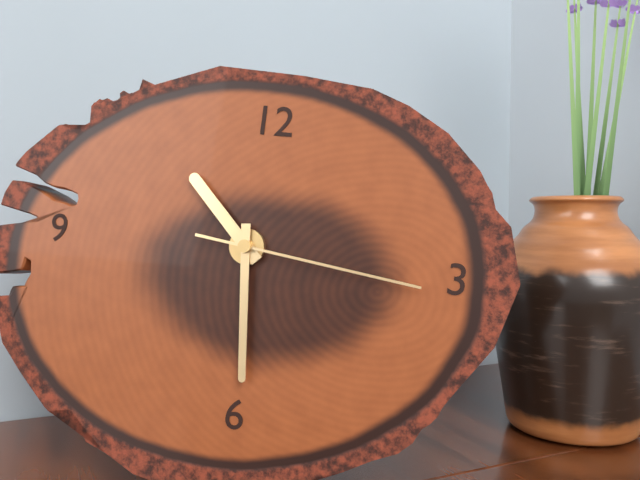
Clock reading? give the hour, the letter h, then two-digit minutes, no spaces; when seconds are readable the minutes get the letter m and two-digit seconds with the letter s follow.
10h29m16s
